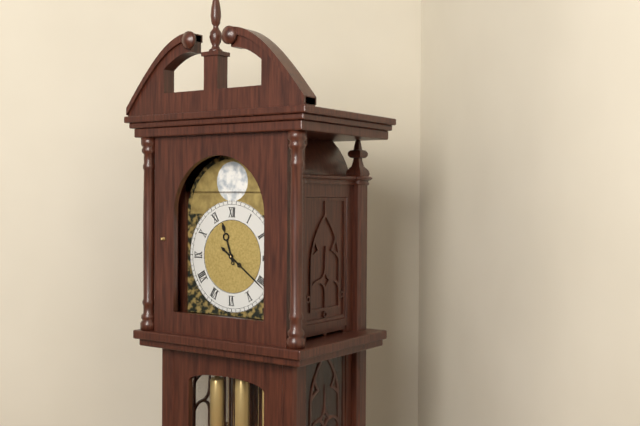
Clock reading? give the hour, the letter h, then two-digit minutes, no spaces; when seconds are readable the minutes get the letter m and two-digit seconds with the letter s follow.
11h21
